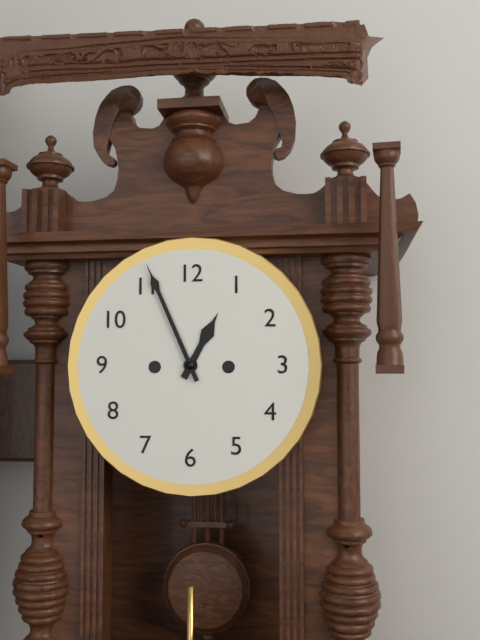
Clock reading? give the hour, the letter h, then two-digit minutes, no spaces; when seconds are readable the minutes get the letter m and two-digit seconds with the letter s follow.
12h56
